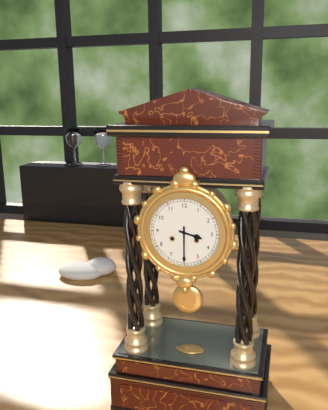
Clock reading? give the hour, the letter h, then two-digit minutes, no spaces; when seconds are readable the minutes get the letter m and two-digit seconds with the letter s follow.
3h30
